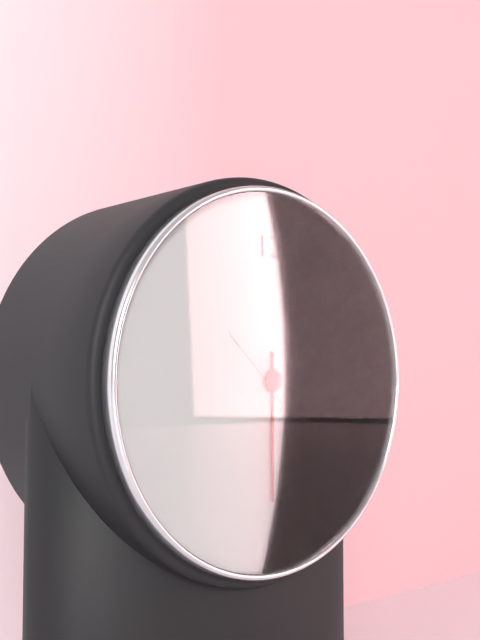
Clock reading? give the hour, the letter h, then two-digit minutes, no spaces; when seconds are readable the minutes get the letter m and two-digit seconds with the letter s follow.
10h24m30s
